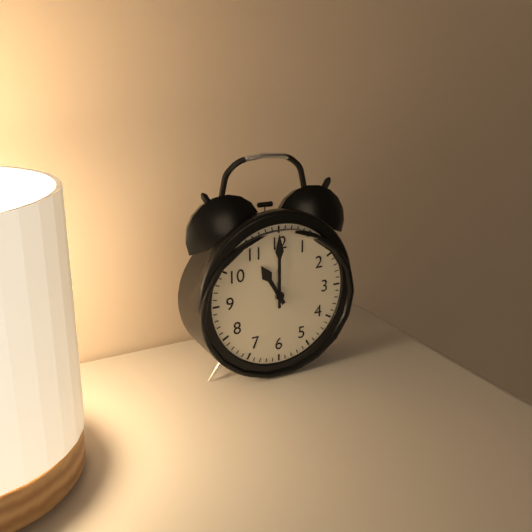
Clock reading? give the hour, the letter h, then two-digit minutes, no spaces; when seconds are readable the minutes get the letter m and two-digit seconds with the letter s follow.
11h00
